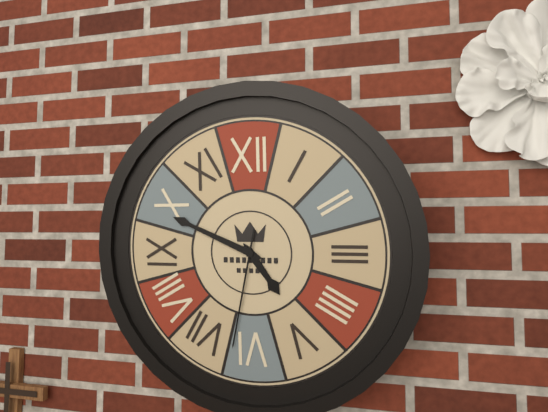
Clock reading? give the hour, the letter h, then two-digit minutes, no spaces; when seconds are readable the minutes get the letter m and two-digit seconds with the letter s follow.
4h49m32s
